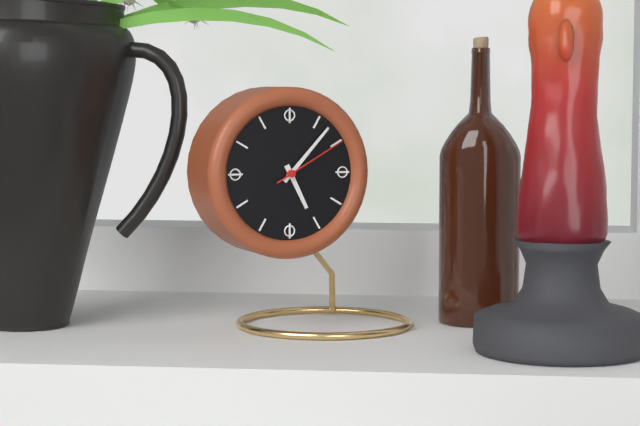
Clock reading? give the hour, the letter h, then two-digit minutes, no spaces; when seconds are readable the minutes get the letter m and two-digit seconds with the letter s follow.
5h07m10s
